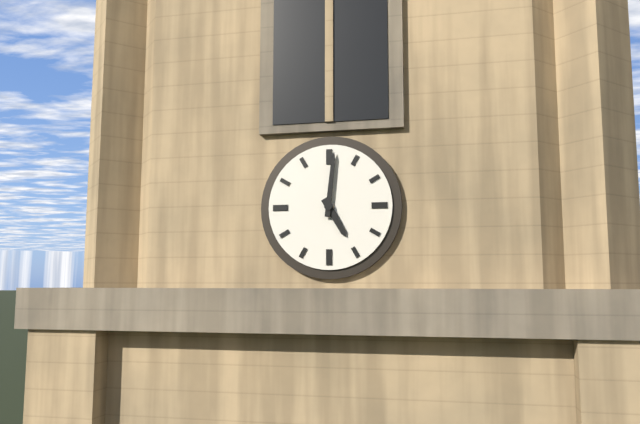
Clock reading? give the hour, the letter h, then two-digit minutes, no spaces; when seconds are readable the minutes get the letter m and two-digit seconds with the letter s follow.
5h01
